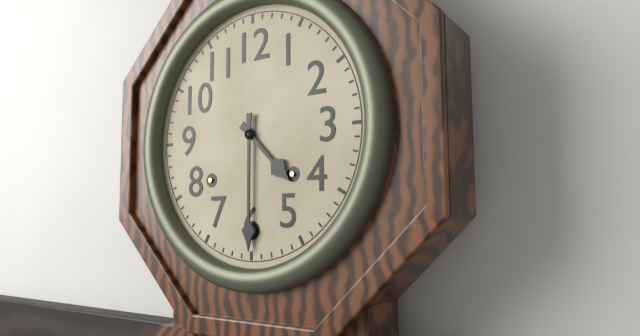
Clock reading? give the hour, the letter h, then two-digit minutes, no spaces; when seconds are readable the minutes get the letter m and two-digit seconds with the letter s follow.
4h30
